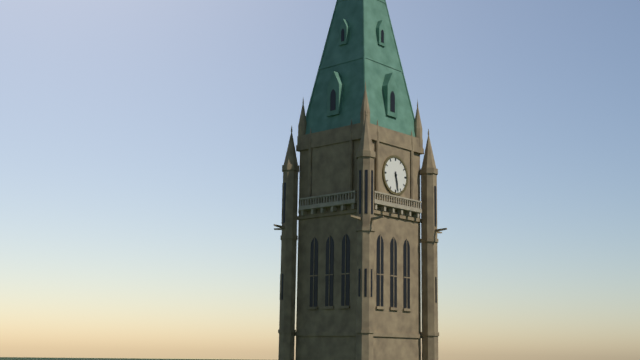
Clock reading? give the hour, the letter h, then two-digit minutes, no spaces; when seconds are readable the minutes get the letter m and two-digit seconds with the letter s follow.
5h28
